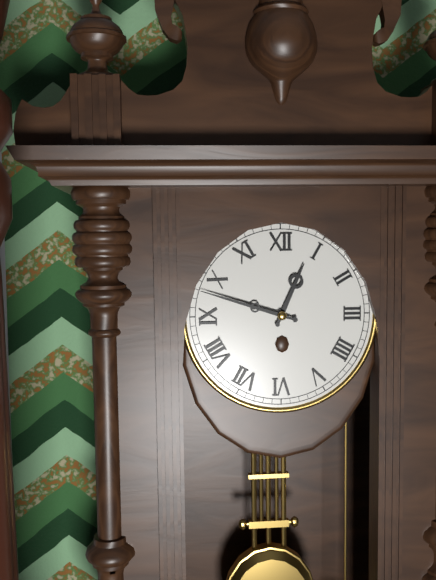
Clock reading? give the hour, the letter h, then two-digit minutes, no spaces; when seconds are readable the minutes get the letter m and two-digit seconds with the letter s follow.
12h48
